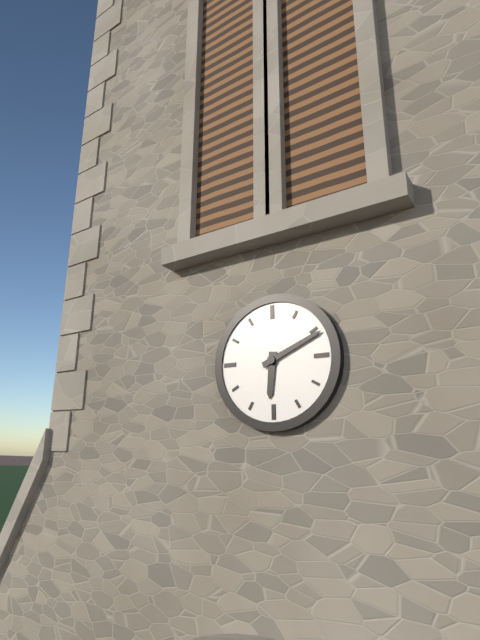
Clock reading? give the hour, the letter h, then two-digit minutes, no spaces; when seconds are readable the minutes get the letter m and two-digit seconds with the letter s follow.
6h11
